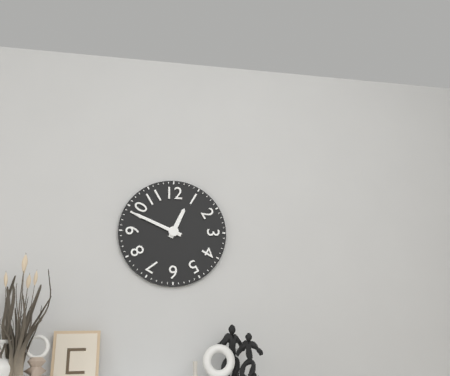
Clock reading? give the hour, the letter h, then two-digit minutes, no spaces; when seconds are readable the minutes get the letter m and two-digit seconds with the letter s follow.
12h49
